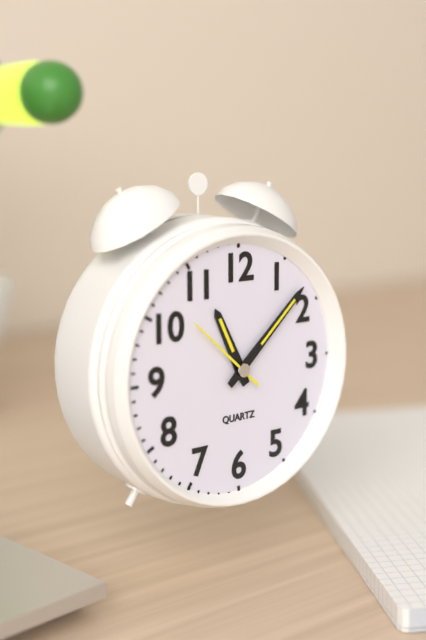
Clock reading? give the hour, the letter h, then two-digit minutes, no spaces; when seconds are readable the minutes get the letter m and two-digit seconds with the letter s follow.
11h08m52s
